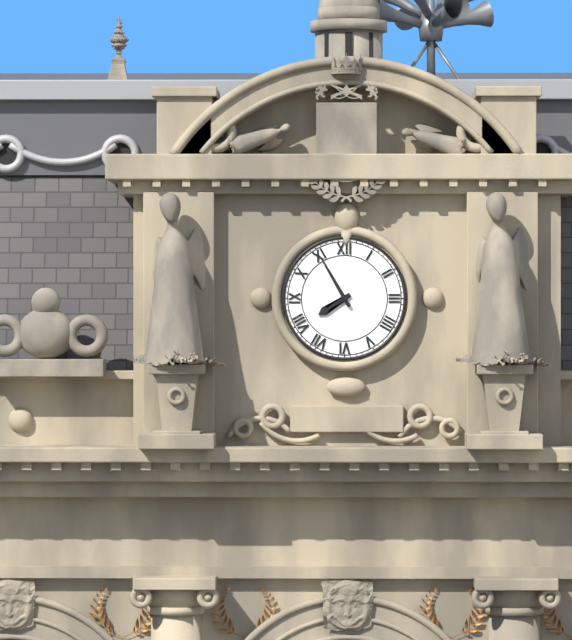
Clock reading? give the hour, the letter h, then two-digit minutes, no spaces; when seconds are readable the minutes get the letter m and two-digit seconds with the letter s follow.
7h55
